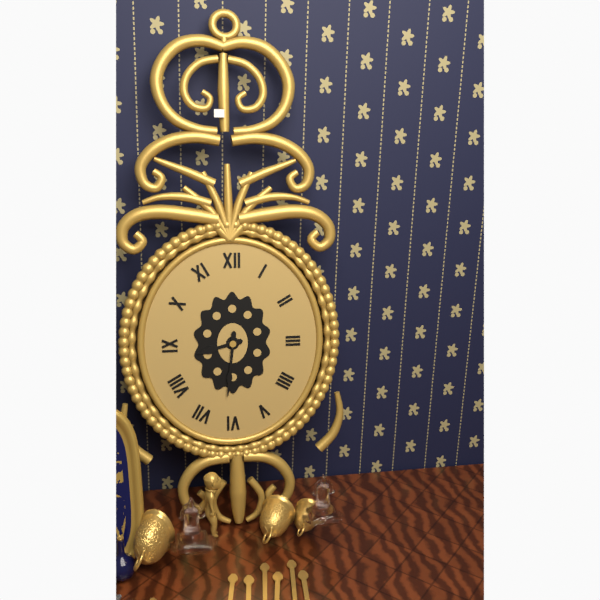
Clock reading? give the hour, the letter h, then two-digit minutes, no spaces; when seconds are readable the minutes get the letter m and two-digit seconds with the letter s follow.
8h31
